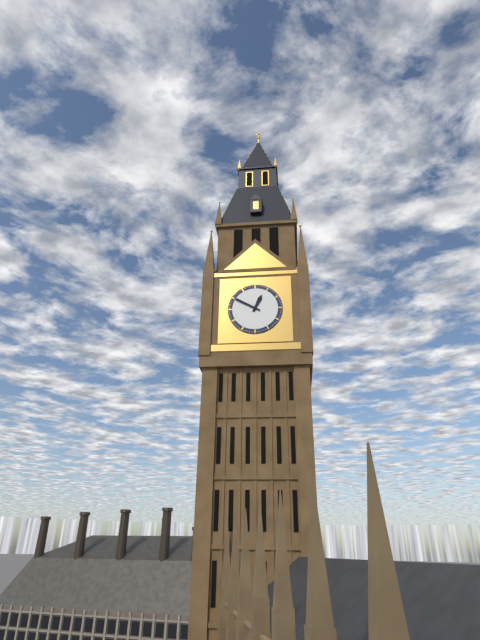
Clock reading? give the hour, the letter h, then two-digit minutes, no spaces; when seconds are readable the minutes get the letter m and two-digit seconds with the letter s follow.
12h50
